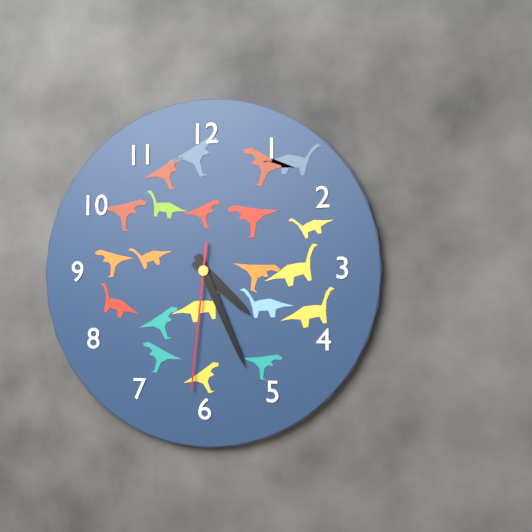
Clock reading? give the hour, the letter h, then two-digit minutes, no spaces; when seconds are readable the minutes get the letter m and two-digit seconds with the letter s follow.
4h26m31s
